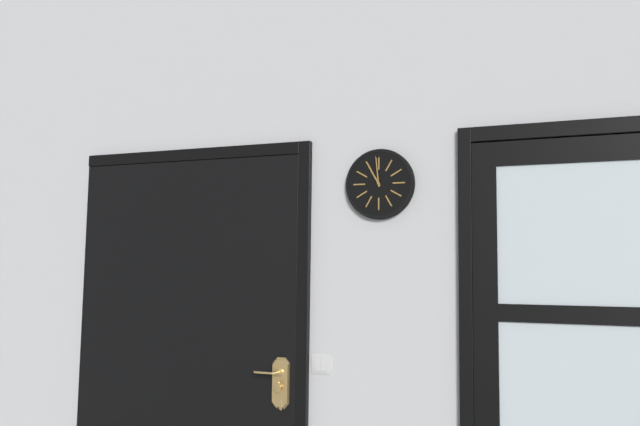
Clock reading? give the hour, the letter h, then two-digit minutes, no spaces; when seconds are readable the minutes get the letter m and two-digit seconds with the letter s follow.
10h59
